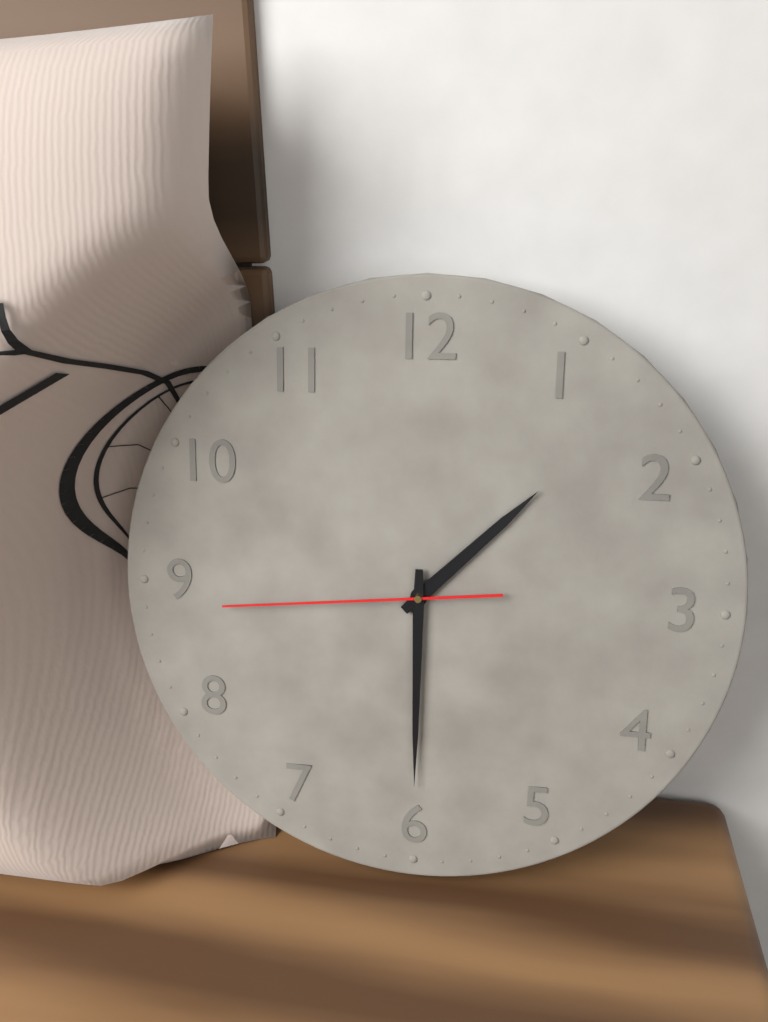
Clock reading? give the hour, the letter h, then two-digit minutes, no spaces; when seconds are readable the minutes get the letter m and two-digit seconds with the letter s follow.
1h30m44s
